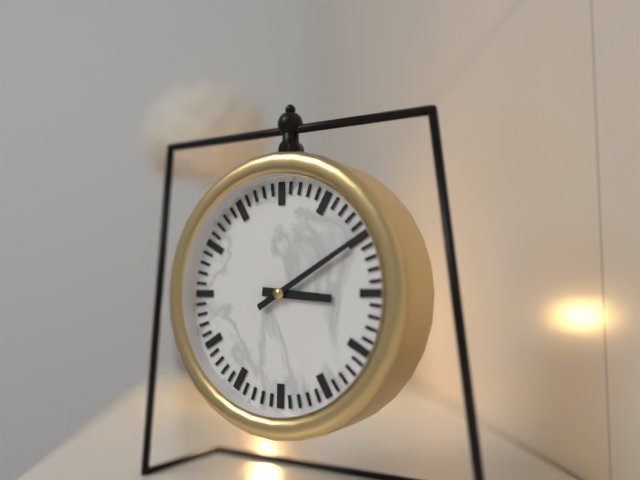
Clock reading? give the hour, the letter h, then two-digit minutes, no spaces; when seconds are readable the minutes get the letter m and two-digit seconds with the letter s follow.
3h10
